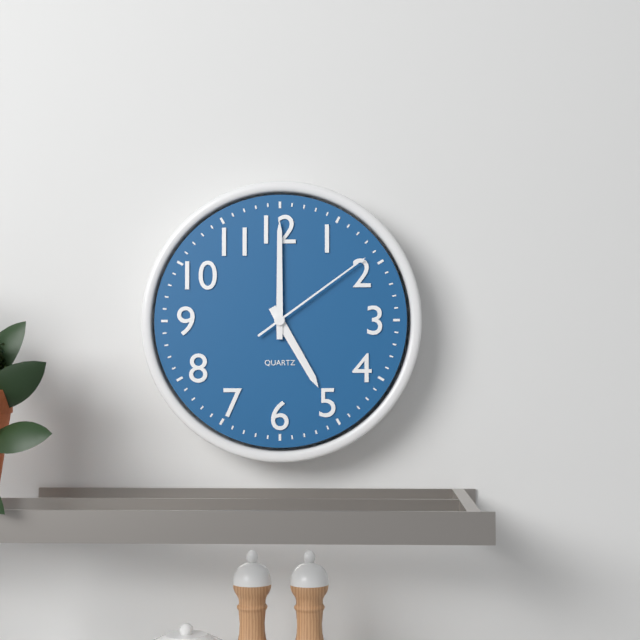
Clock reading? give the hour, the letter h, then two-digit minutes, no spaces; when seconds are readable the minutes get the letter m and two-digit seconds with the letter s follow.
5h00m09s
